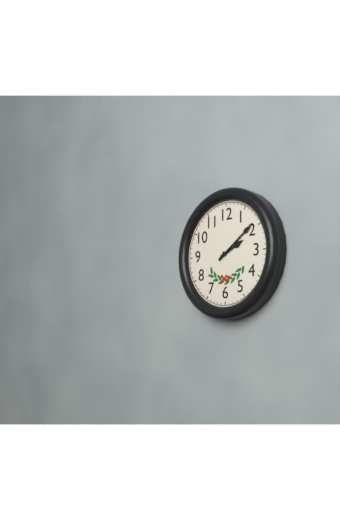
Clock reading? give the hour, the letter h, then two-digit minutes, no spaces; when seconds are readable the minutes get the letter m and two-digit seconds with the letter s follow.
2h09
